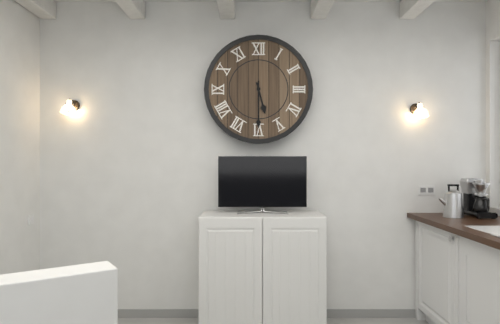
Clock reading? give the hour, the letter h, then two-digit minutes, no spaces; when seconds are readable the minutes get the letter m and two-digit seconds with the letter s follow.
5h30
